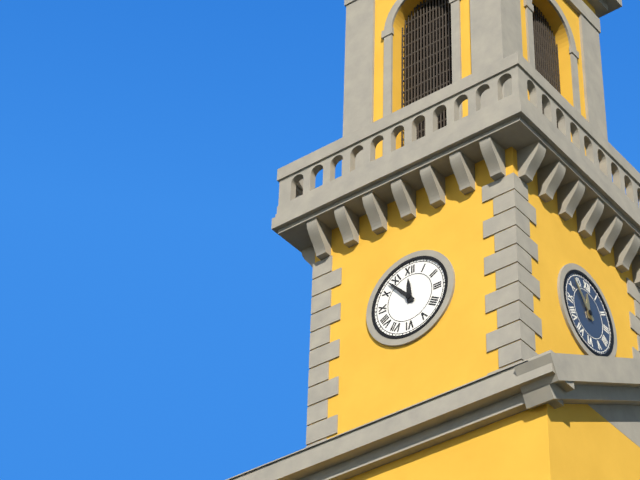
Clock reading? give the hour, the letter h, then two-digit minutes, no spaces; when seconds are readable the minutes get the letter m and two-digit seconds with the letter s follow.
11h53
